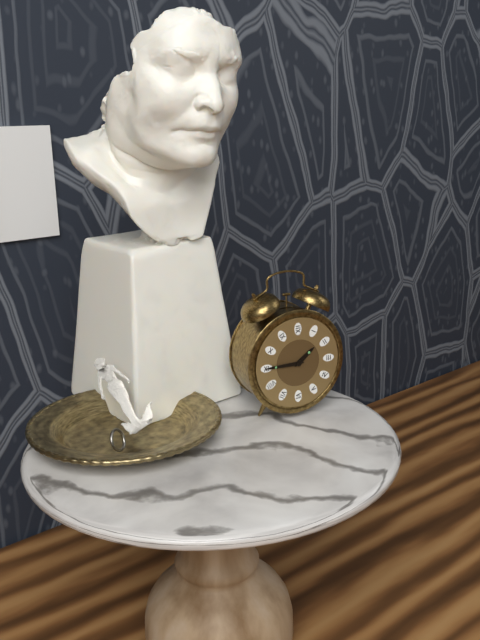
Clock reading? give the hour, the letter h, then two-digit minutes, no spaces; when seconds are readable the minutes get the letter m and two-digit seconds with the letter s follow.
1h45
